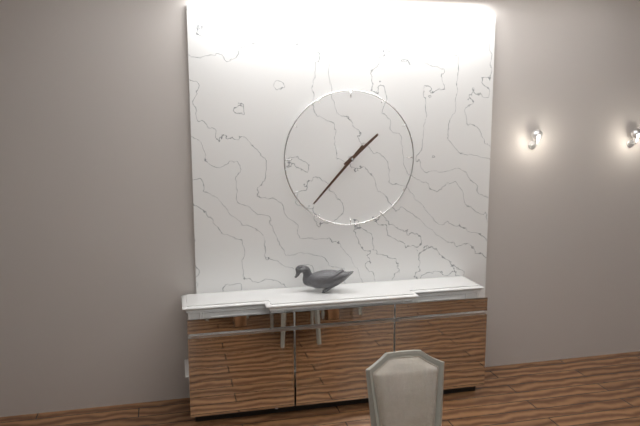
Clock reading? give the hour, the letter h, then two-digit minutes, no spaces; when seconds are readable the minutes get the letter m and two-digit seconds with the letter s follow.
1h37
